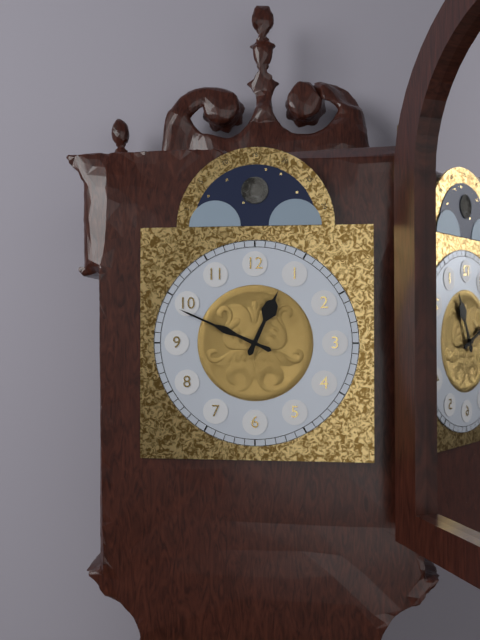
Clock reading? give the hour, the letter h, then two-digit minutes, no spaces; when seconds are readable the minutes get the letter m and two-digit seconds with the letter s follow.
12h49
